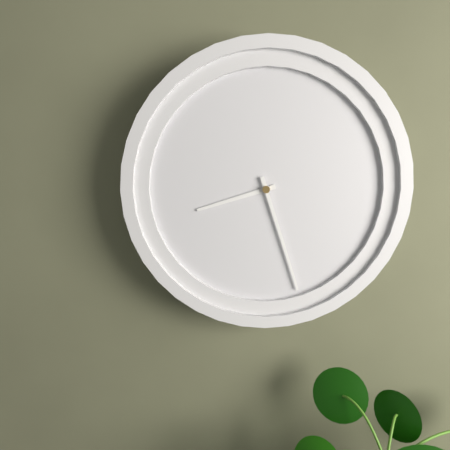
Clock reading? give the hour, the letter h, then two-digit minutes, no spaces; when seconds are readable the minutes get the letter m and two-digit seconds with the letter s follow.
8h27
